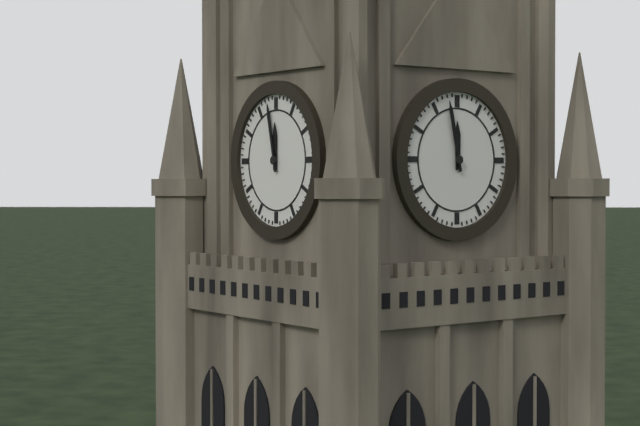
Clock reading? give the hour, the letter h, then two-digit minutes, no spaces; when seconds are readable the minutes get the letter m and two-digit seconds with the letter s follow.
11h58
